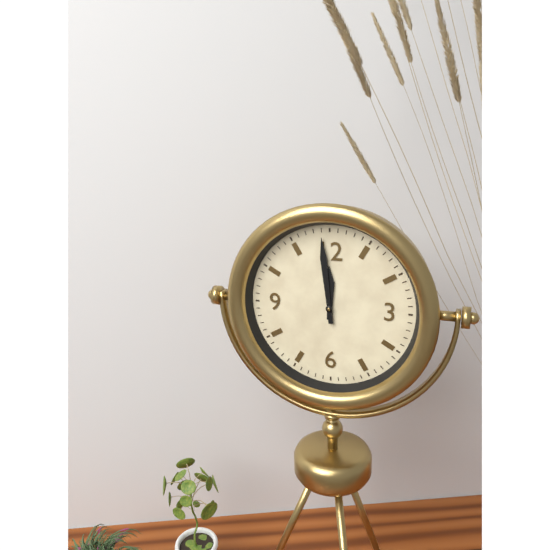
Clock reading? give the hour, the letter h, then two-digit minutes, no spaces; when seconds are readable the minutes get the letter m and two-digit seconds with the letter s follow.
11h59
